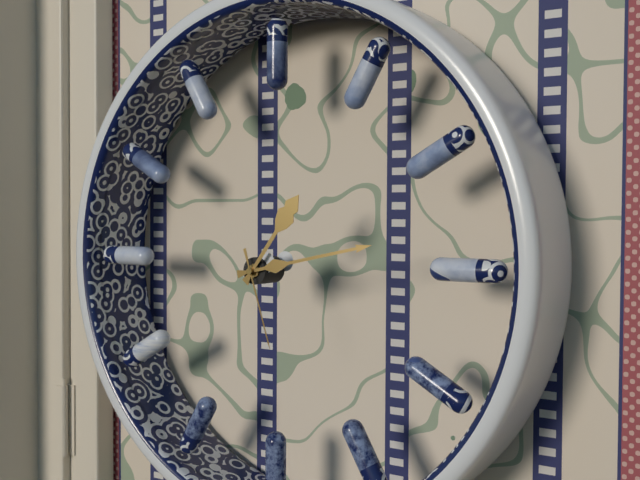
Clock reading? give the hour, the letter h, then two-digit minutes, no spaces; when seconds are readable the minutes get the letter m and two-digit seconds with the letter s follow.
1h13m27s
